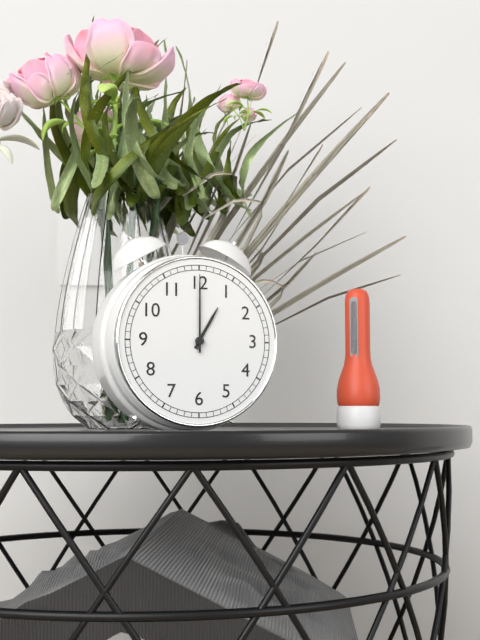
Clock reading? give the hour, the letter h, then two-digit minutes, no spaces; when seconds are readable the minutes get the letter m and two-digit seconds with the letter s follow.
1h00
